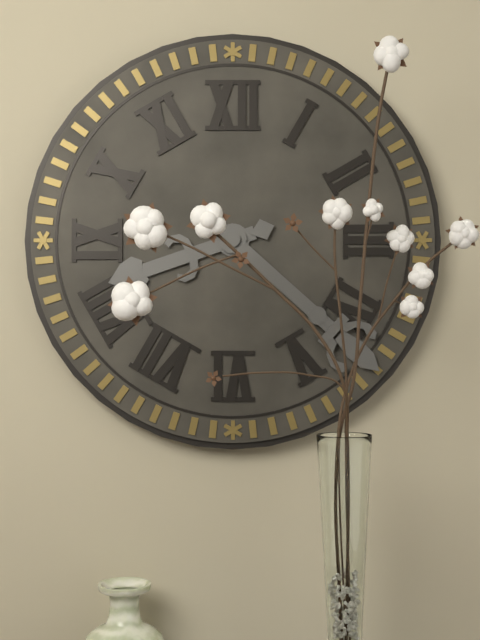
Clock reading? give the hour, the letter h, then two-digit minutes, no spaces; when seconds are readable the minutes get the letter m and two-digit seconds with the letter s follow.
8h22
